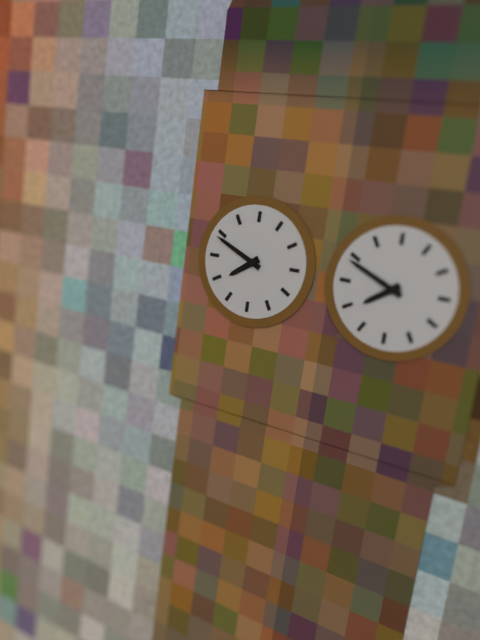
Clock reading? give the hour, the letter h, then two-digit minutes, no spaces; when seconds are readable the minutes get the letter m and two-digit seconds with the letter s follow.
7h49
